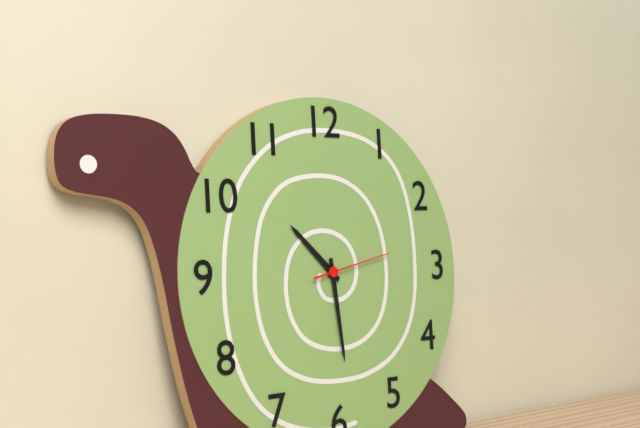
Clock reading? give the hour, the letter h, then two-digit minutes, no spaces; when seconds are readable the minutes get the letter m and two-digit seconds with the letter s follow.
10h29m13s
